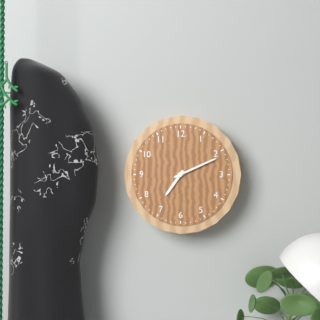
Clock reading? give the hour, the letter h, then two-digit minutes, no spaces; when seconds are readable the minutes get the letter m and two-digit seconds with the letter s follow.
7h11
